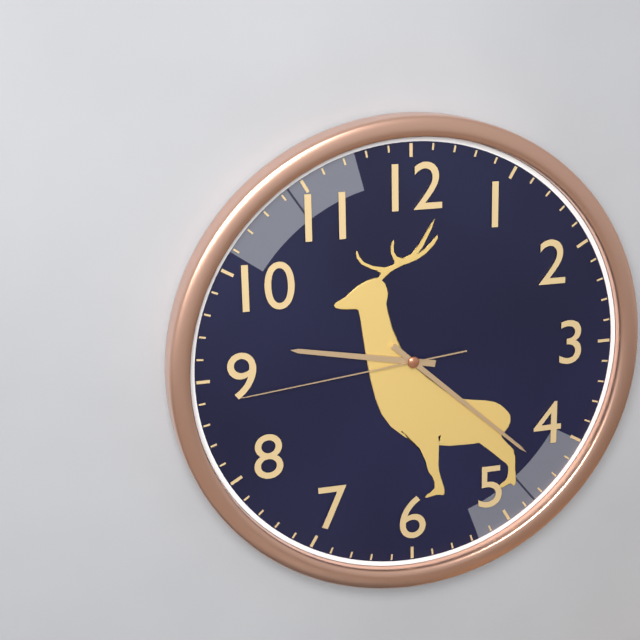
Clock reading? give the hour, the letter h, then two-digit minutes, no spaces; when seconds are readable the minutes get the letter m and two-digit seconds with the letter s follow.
9h22m44s
